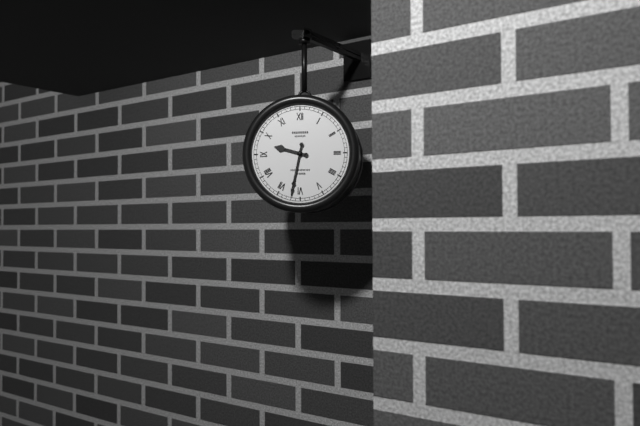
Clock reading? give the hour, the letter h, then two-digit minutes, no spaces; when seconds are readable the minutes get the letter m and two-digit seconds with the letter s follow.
9h32
